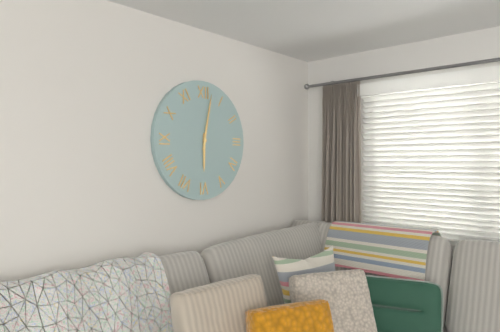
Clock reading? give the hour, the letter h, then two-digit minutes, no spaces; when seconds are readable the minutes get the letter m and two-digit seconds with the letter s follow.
6h02
